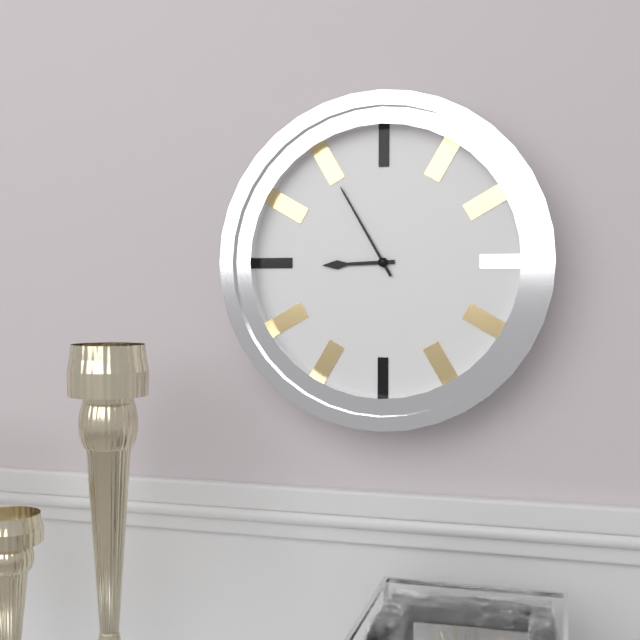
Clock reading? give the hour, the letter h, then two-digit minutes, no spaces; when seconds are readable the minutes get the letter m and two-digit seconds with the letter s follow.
8h55
